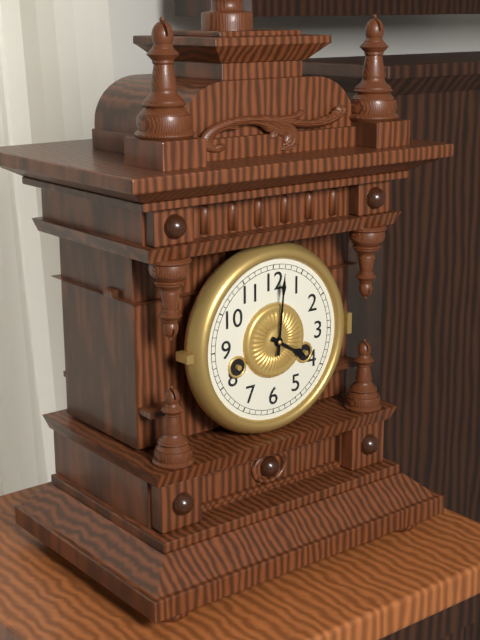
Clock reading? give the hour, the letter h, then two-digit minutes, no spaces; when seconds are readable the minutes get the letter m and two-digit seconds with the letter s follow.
4h01
